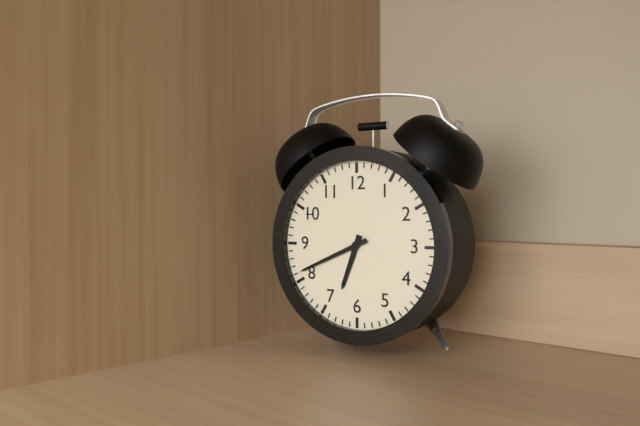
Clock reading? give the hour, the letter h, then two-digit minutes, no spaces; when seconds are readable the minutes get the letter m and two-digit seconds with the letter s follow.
6h41
